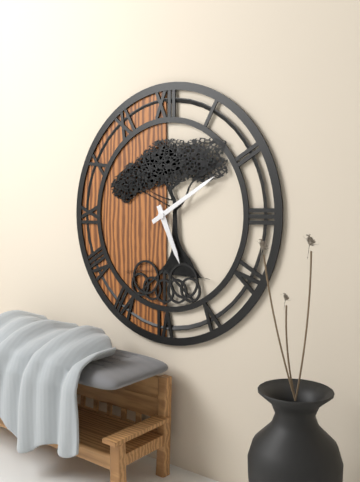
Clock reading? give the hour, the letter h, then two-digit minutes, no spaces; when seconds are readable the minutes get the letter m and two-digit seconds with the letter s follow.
5h10
